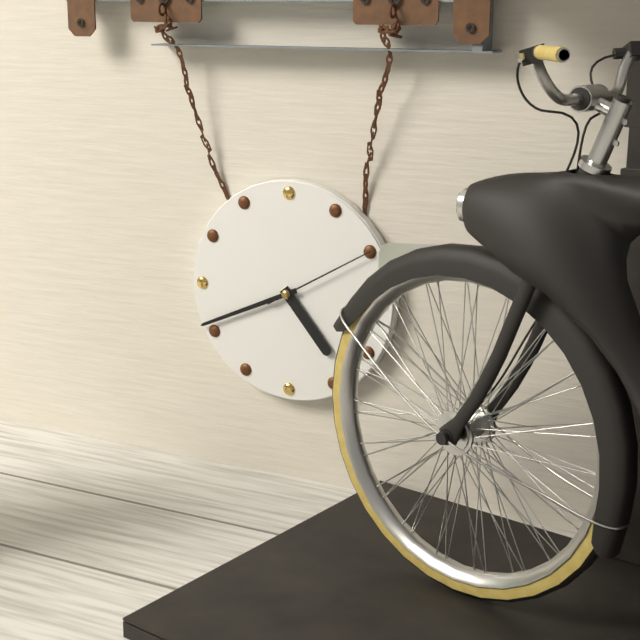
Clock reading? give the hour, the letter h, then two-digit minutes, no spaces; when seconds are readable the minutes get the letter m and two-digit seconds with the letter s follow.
4h41m10s
